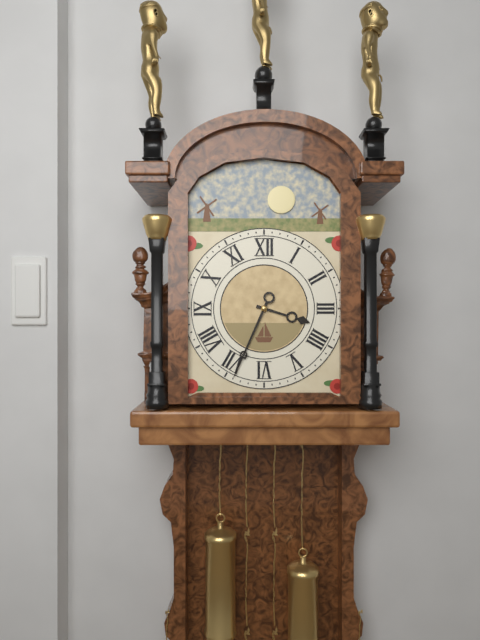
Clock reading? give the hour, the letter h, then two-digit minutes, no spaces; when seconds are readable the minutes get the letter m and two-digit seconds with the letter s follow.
3h34
